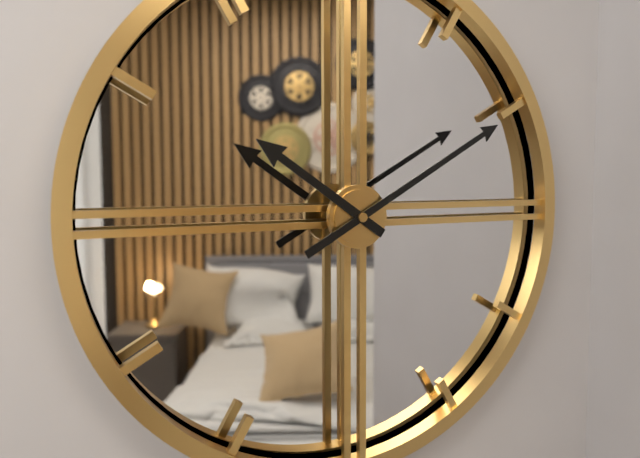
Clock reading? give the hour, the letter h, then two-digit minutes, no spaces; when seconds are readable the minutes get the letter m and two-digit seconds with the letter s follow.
10h10
